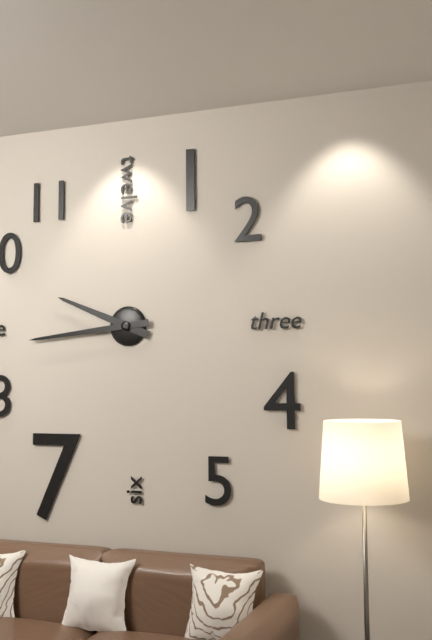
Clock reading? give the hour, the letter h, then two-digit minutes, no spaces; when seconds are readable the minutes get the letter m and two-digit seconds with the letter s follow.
9h44
